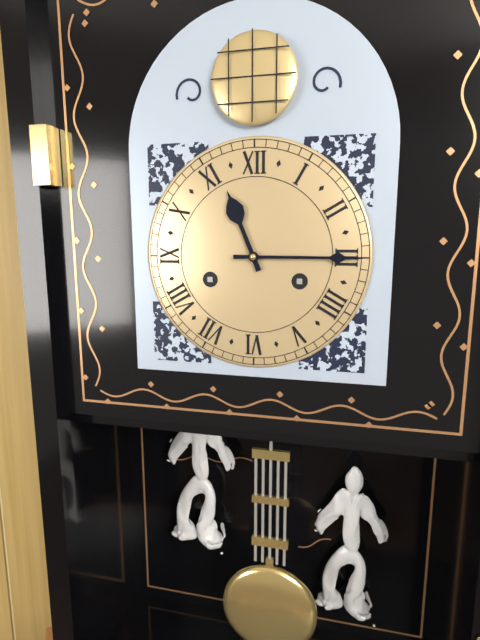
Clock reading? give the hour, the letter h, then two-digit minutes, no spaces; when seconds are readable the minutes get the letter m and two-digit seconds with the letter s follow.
11h15
